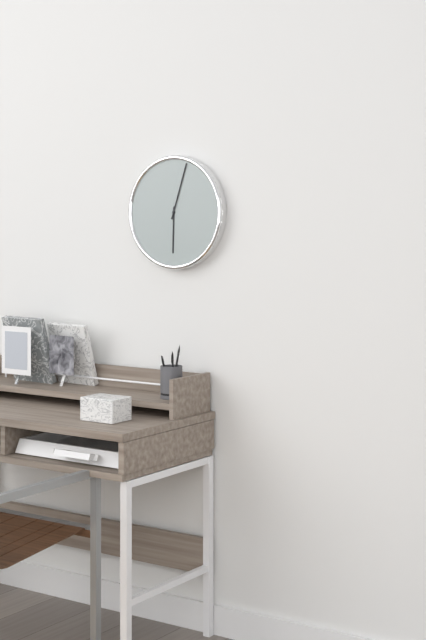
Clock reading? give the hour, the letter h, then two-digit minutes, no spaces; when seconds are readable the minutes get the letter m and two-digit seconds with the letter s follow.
6h03
